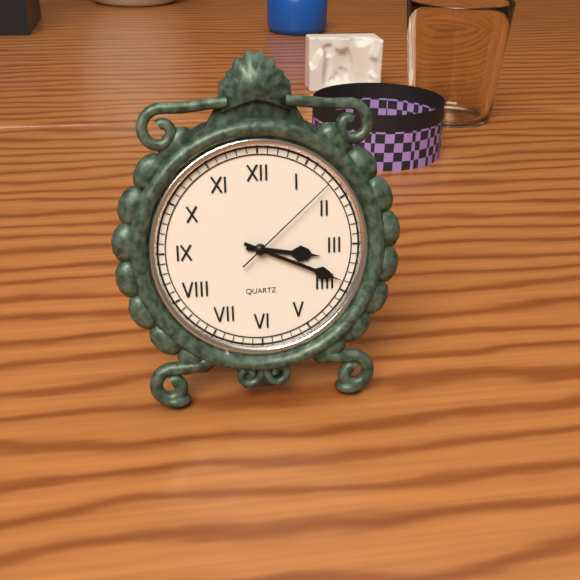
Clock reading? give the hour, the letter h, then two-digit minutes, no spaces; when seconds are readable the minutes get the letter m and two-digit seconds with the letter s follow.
3h19m08s
